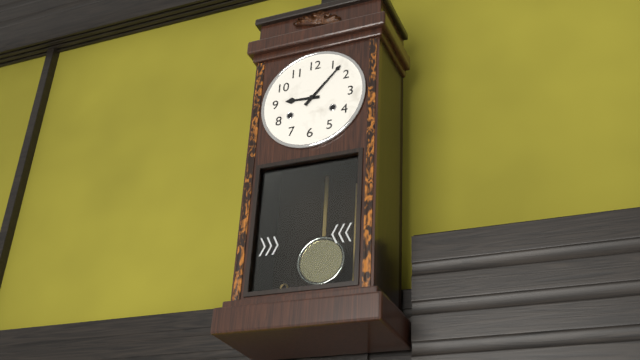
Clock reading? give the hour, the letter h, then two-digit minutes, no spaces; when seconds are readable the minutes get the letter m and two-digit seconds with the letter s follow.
9h07
